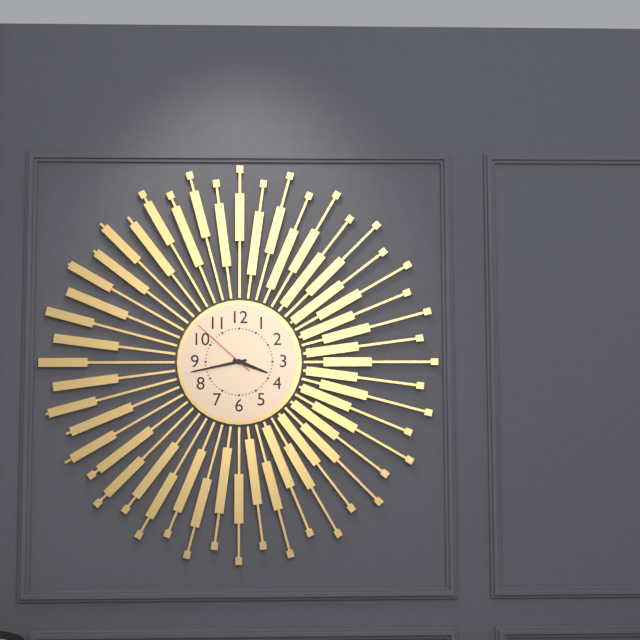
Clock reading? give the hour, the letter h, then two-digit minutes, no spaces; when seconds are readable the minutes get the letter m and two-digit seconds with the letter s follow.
3h43m52s
